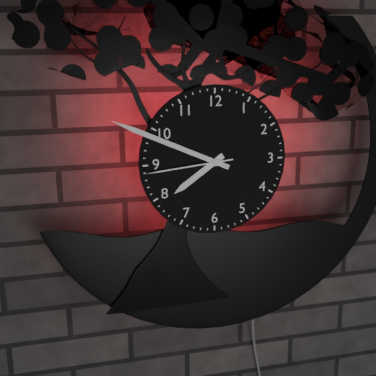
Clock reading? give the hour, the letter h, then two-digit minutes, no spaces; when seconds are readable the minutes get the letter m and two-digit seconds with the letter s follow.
7h49m44s
